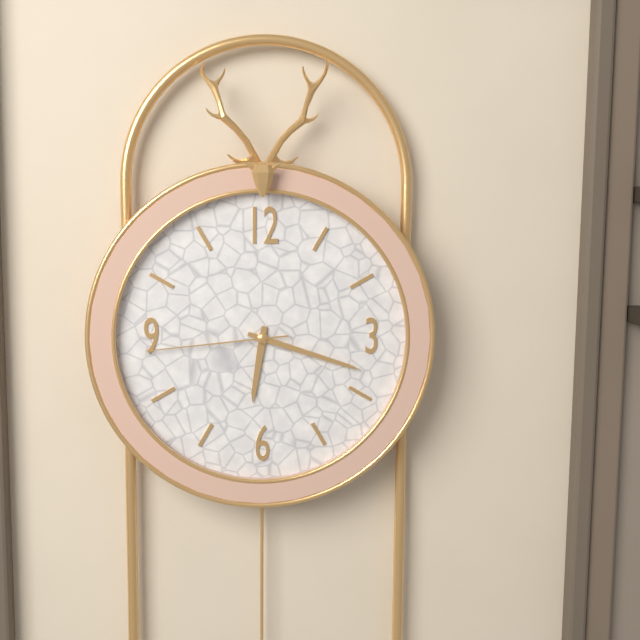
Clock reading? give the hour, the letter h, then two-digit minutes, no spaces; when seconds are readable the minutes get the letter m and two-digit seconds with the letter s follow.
6h18m44s
